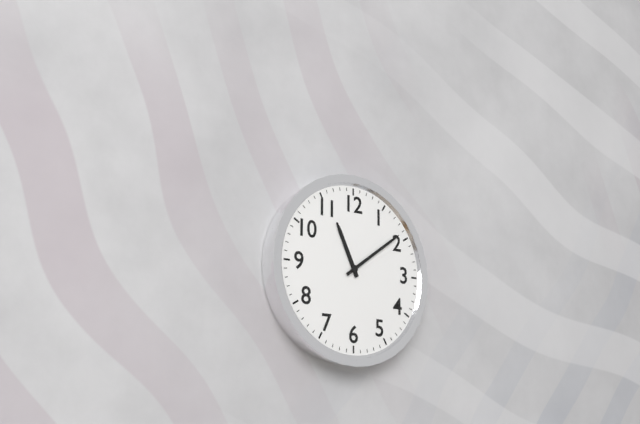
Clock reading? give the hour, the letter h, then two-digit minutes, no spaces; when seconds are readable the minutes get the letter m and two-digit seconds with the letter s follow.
11h09
